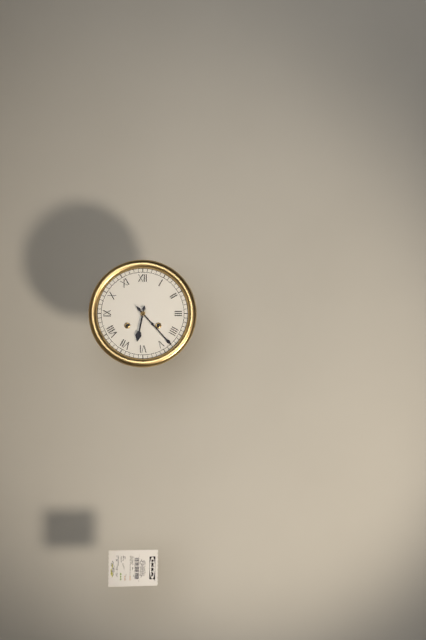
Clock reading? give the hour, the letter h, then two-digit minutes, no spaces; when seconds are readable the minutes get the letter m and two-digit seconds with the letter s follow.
6h23
